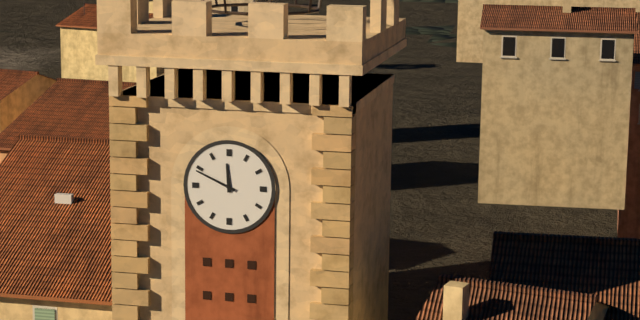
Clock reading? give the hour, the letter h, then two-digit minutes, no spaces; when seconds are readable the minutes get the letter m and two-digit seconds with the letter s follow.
11h49
